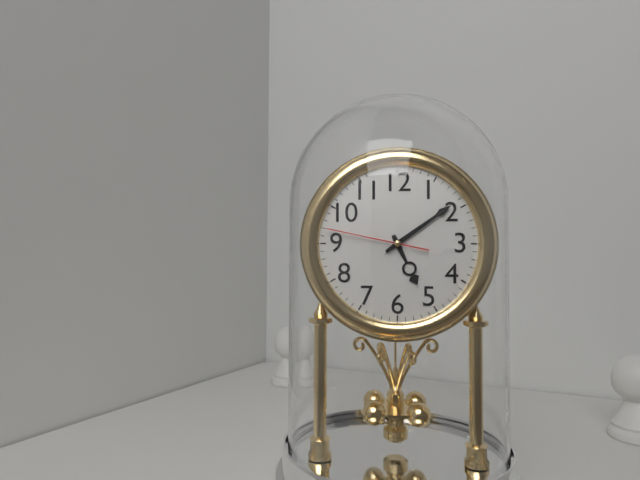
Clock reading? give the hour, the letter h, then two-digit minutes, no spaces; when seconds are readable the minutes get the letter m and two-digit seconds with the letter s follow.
5h09m47s
